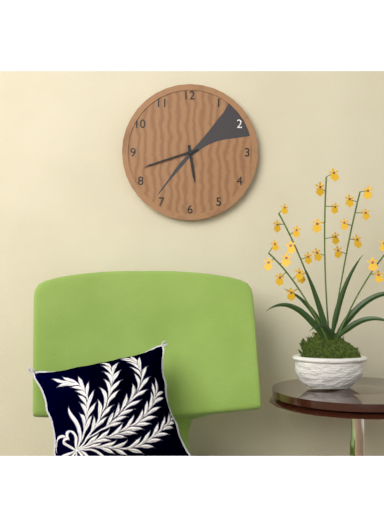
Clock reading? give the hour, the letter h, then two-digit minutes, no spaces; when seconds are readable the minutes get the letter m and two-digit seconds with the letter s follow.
5h42
